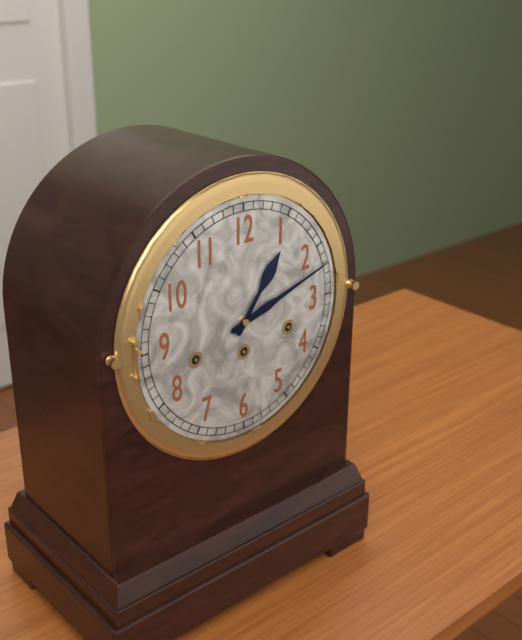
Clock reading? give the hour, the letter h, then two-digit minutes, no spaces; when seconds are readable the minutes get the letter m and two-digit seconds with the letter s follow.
1h12
